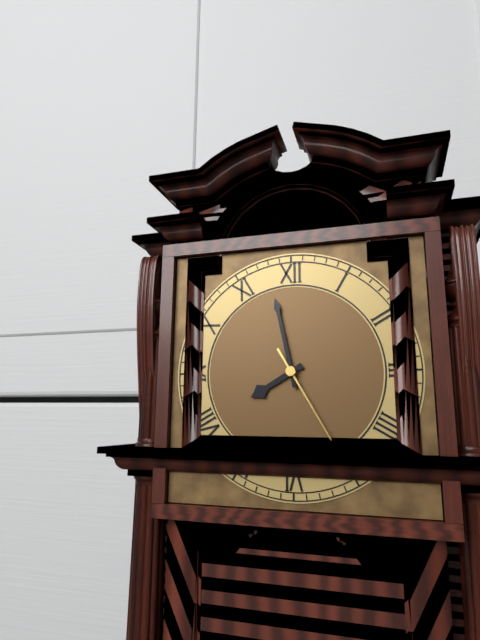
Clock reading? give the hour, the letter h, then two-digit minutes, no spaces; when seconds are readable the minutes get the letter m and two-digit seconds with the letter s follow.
7h58m25s
